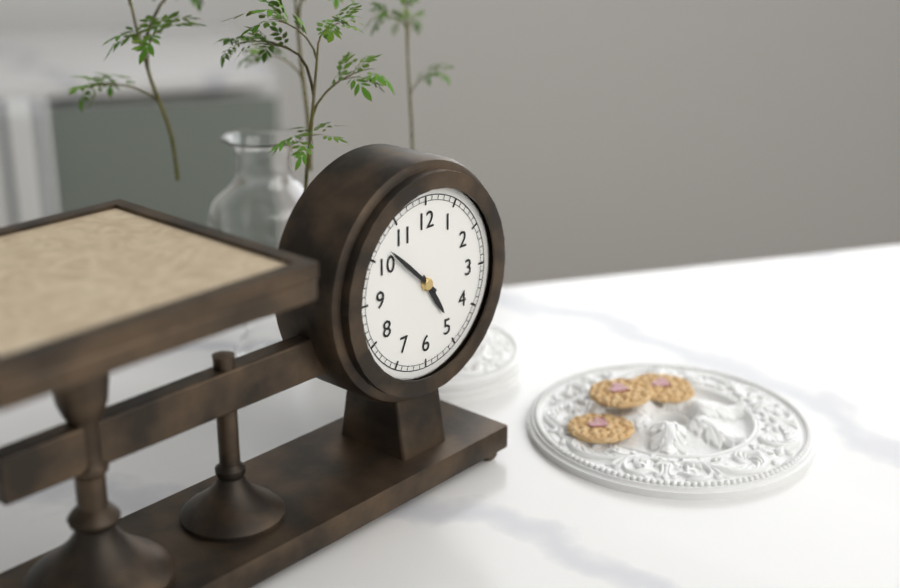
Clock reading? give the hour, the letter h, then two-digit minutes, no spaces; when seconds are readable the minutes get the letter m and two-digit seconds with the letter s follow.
4h52
